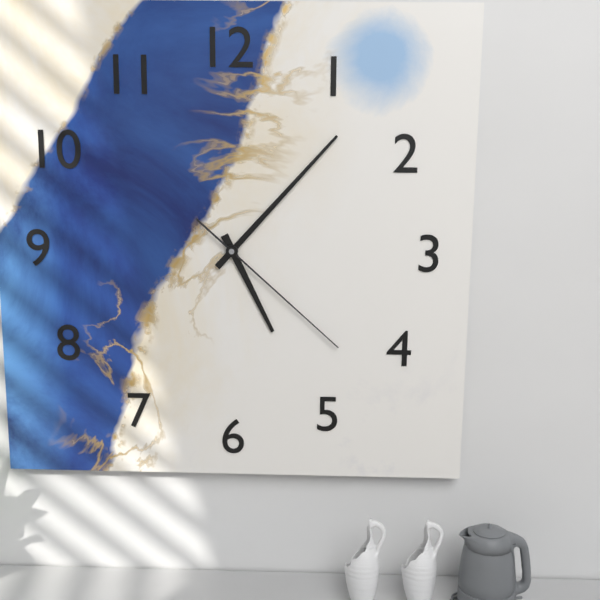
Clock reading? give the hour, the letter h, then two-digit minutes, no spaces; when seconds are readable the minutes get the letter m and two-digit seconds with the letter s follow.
5h07m22s
